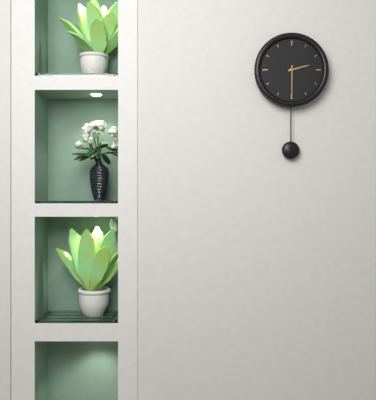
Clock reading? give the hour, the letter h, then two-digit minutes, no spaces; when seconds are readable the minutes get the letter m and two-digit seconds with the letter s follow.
2h30
